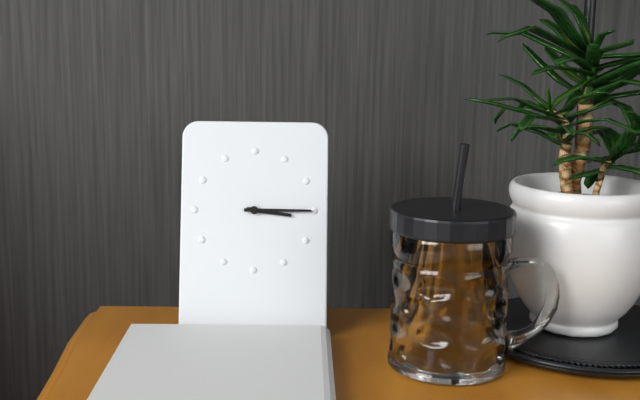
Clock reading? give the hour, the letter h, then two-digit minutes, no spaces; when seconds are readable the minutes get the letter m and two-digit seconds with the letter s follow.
3h15
